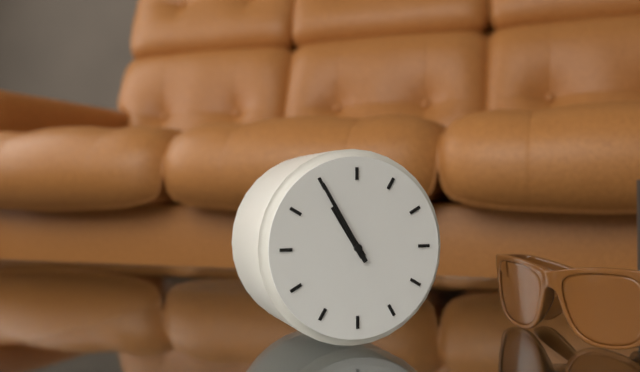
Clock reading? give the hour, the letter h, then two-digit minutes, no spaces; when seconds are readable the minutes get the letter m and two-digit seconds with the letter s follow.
10h55
